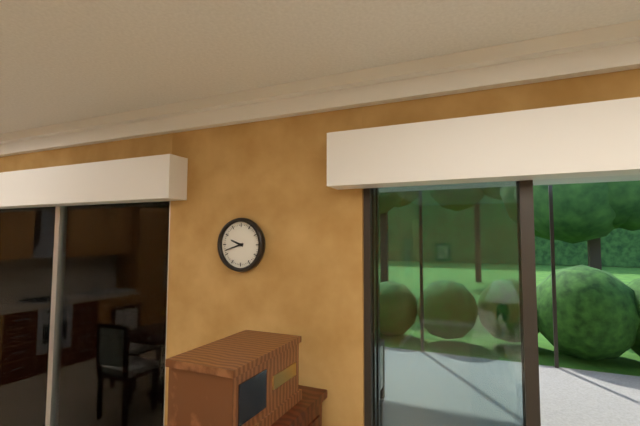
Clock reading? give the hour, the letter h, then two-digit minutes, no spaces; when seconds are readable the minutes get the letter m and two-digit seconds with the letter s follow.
9h42
